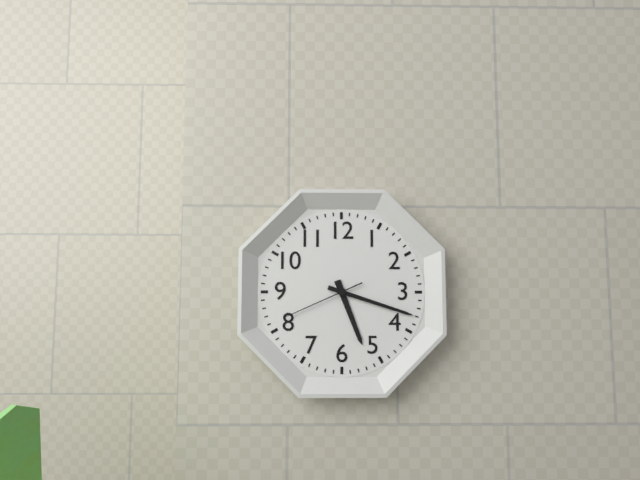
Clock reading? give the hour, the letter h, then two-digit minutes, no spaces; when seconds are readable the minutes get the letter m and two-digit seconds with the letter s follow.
5h18m41s
